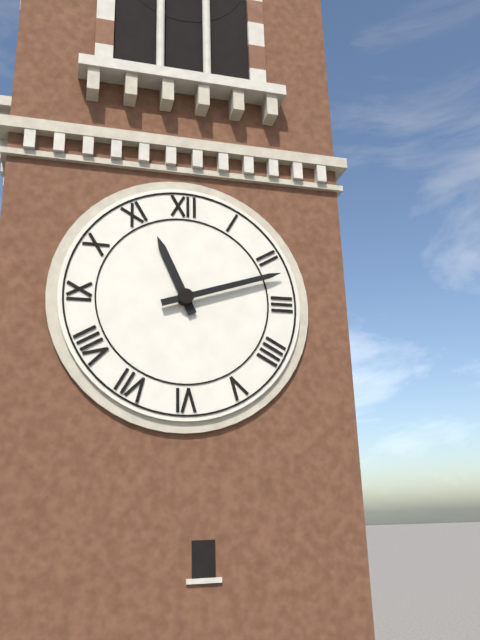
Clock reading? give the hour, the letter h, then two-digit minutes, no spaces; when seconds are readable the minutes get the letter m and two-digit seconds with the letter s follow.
11h12
